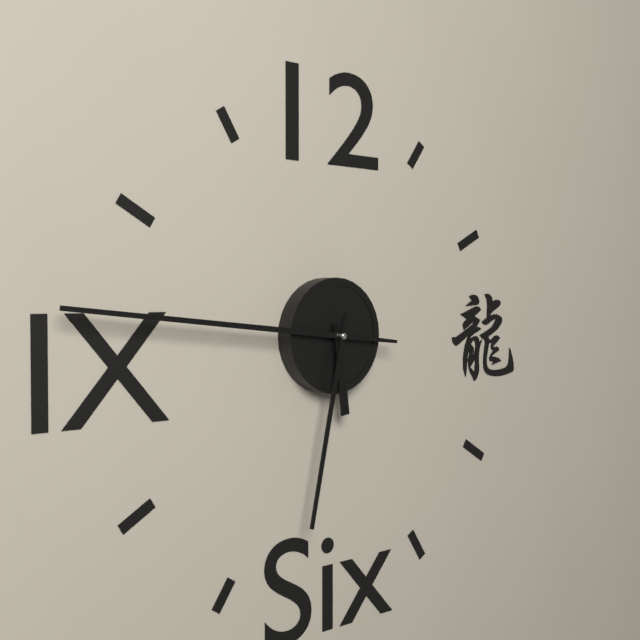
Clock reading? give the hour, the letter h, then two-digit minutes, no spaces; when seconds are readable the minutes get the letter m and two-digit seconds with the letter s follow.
5h46m32s
